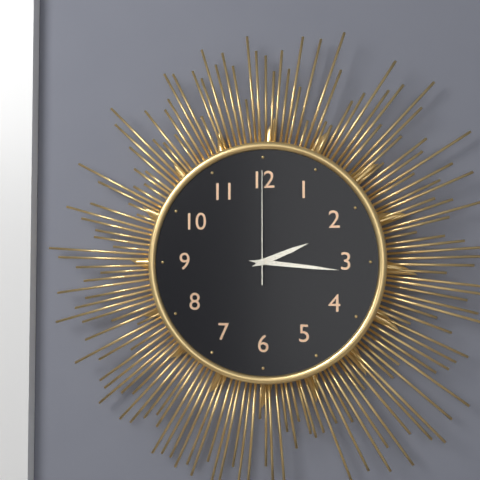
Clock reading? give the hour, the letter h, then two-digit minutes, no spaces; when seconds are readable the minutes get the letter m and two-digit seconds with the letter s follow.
2h16m00s
